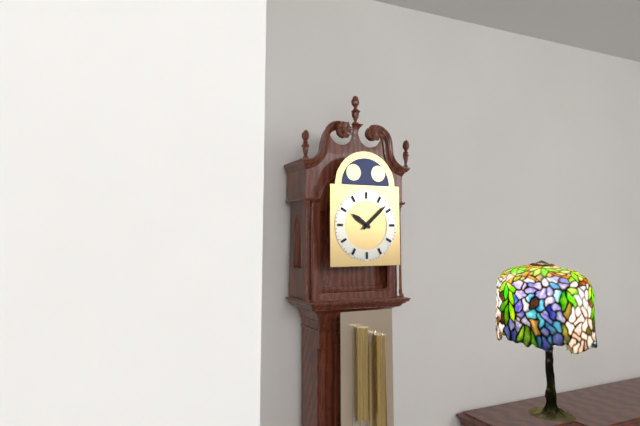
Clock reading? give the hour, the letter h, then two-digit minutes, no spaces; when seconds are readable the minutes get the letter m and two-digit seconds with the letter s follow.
10h08
